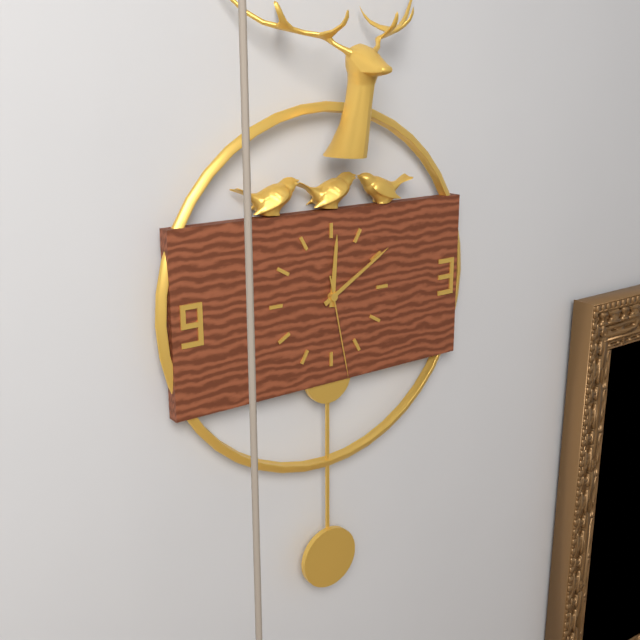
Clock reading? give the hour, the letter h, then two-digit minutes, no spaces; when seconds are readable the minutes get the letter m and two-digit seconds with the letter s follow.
12h10m28s
